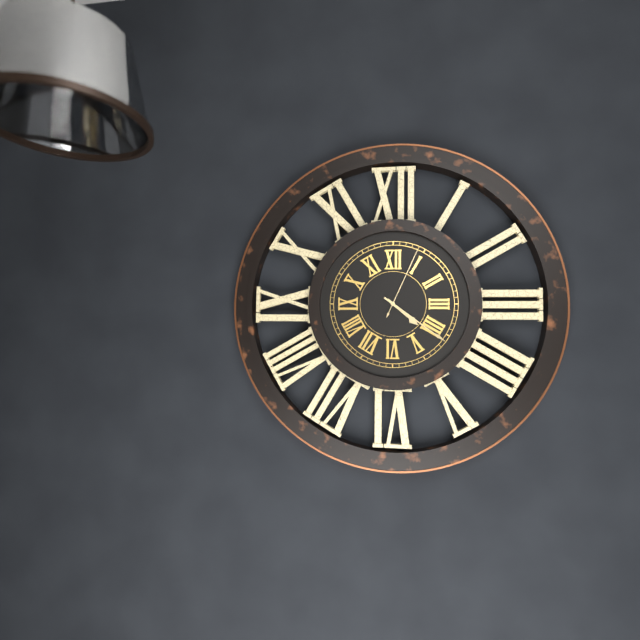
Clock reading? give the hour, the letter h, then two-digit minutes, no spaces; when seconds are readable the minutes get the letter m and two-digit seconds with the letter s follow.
4h21m04s
